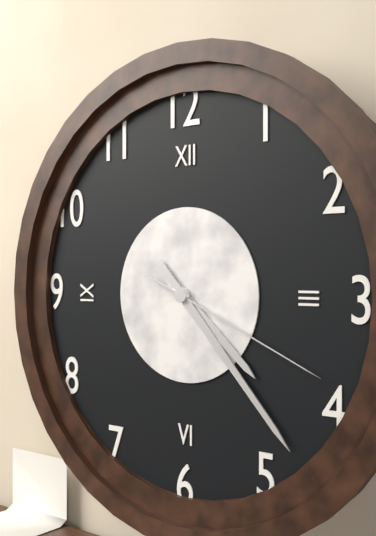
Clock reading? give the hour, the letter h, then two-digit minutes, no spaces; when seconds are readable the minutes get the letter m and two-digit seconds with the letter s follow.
4h23m19s
